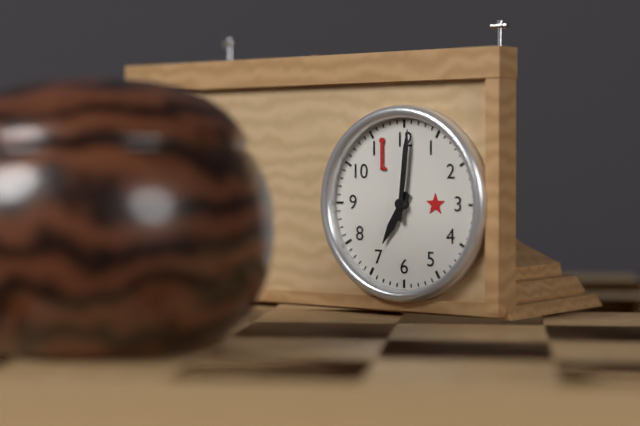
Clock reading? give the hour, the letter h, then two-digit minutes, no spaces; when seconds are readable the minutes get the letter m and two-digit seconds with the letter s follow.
7h01
